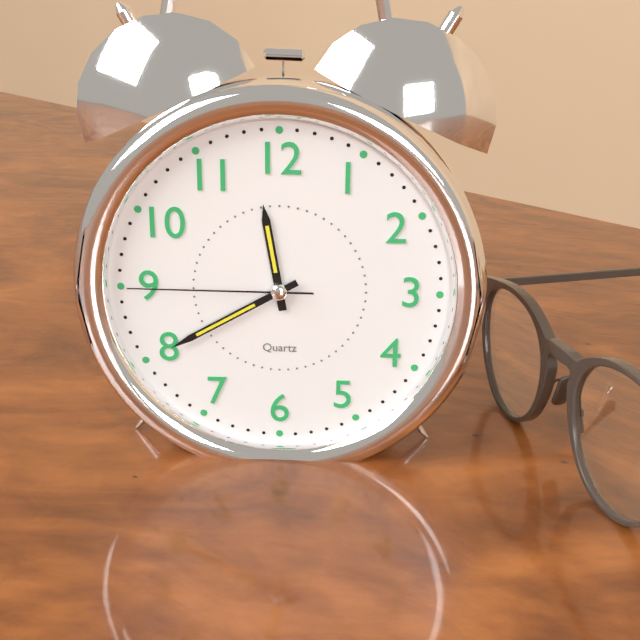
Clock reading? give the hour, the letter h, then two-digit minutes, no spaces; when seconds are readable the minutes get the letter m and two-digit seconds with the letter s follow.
11h40m45s
